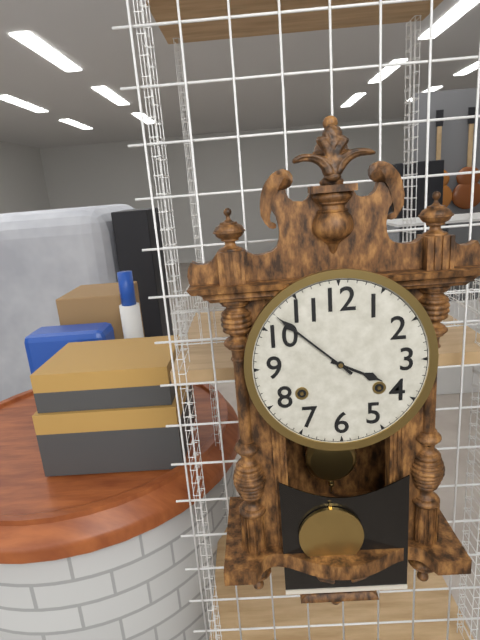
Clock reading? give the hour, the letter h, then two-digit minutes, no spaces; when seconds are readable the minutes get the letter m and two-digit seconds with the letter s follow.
3h52
